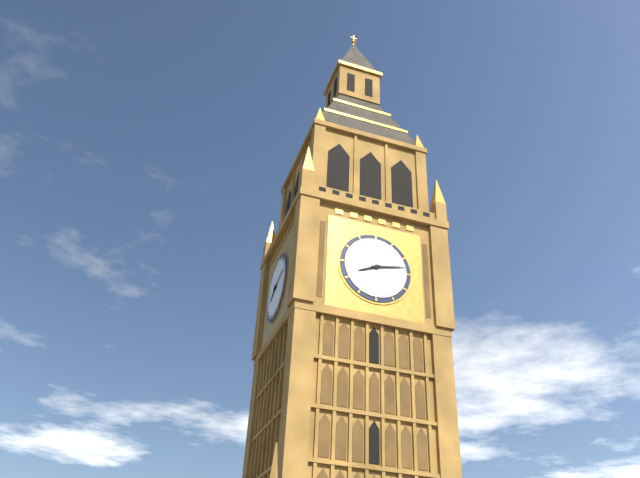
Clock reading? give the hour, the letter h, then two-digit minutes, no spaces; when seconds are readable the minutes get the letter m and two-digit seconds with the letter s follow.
8h13
